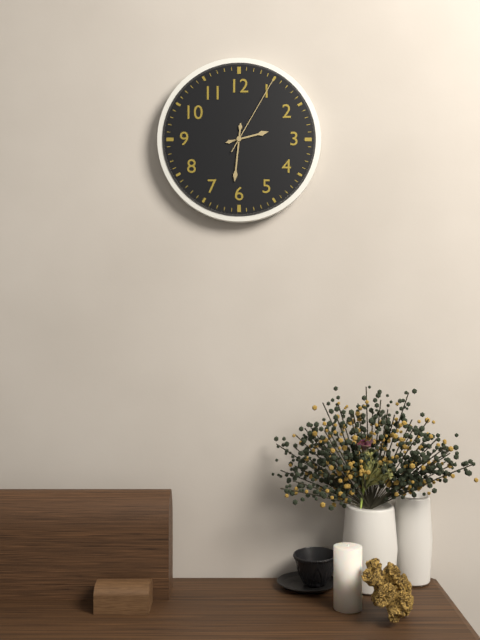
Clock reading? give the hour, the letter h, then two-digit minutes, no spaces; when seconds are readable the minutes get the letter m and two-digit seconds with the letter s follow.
2h31m05s
